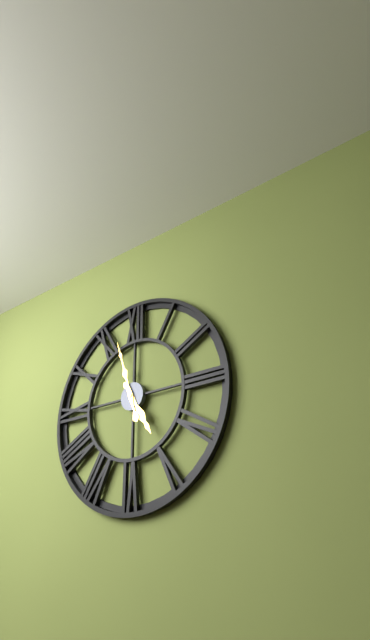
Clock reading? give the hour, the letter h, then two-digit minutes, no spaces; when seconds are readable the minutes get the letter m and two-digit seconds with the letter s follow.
4h57
